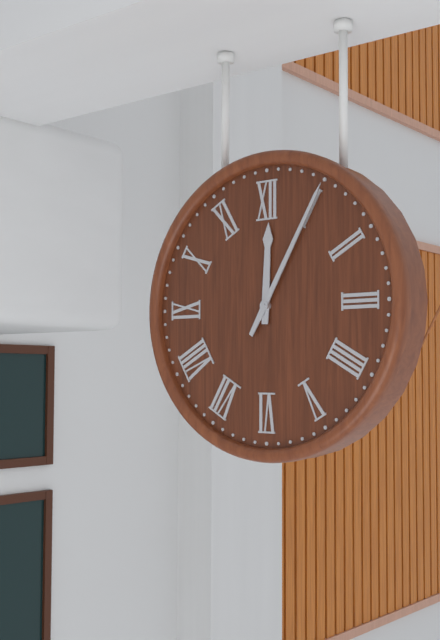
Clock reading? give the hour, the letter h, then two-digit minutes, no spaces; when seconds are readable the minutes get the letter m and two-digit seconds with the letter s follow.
12h05
